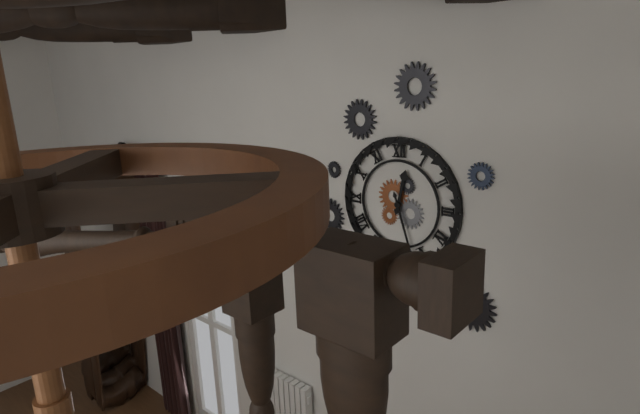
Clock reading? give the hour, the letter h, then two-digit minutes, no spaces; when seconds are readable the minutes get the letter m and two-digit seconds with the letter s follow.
12h27
